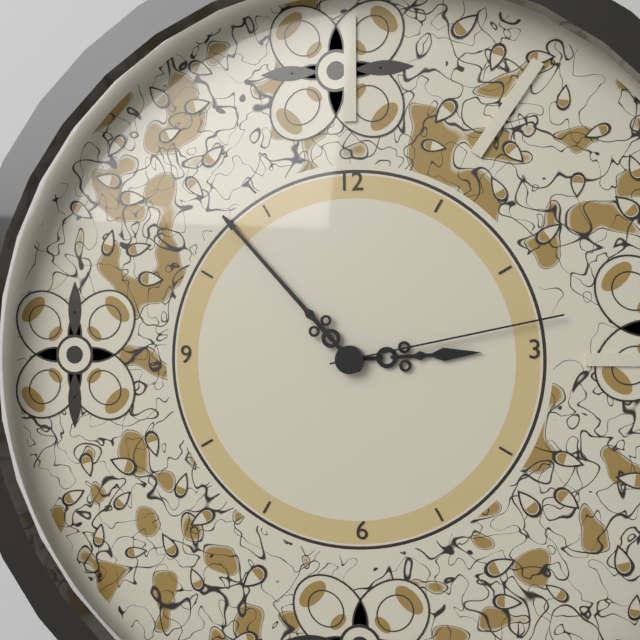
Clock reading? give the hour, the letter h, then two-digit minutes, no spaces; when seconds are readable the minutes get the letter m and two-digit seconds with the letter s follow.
2h53m13s
